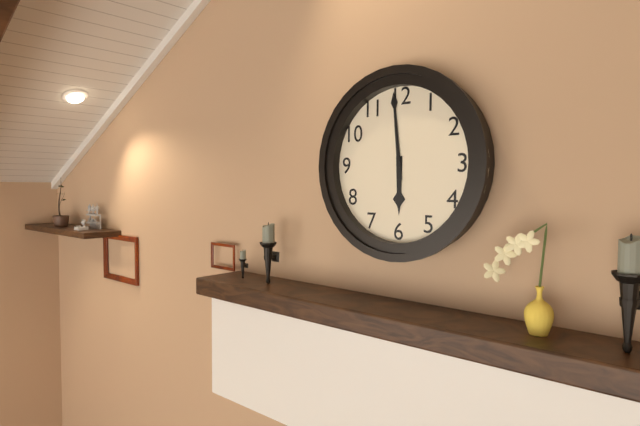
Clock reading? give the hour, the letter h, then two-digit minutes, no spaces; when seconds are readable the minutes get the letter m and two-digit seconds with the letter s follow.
5h59
